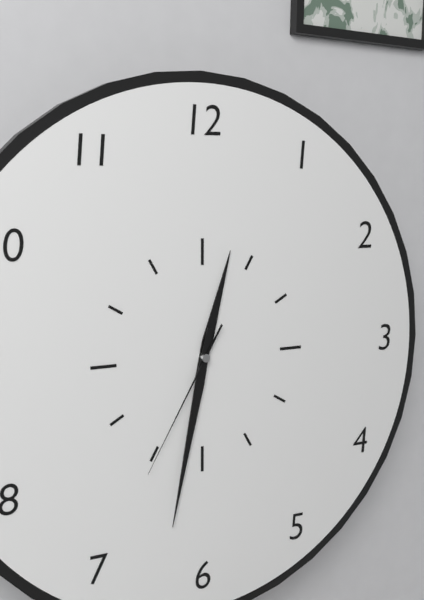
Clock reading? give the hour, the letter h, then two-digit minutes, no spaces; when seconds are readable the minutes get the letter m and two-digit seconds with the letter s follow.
12h32m35s
